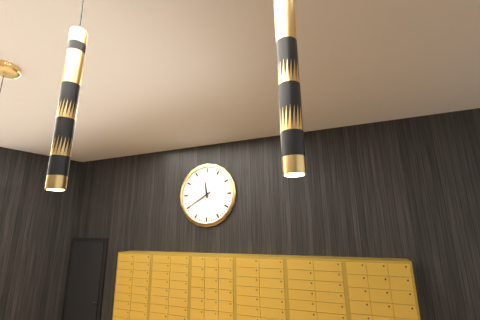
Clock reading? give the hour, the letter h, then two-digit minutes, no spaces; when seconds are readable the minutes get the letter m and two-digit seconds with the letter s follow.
11h40
